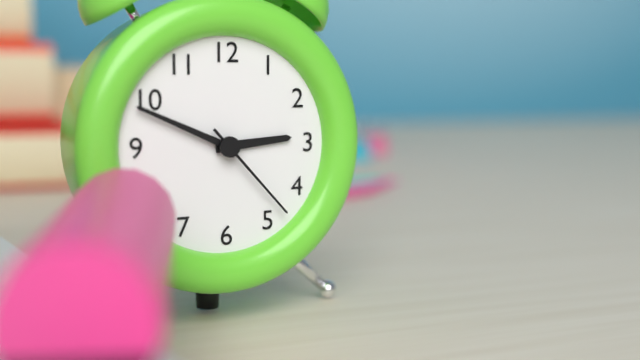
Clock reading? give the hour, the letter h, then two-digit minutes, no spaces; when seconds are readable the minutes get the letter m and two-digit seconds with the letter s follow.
2h49m23s
